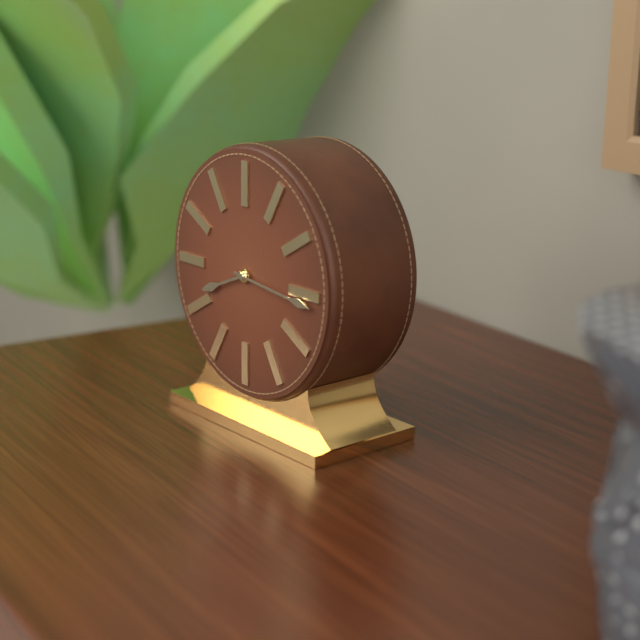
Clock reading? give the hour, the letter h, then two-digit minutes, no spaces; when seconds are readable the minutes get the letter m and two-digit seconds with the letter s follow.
8h16
